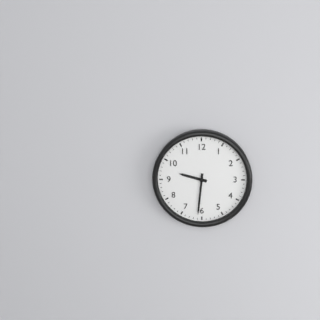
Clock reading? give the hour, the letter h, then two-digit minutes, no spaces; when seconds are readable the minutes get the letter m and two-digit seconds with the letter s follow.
9h31
